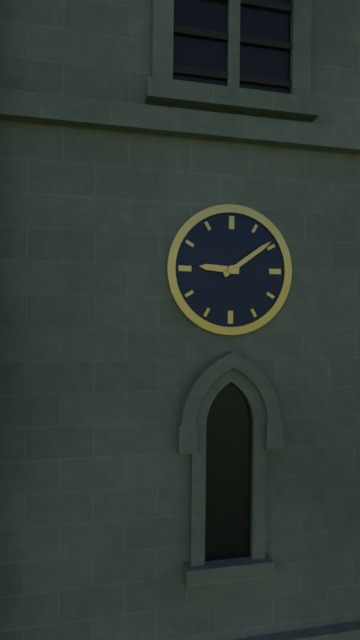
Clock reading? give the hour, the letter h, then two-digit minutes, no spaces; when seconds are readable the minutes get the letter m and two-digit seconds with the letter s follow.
9h09
